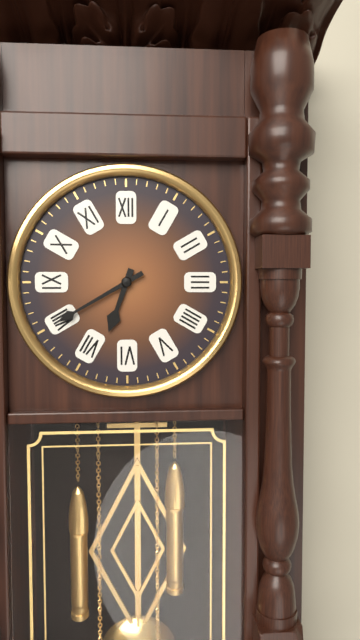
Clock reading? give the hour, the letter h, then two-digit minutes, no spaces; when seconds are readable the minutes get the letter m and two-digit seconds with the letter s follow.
6h40
